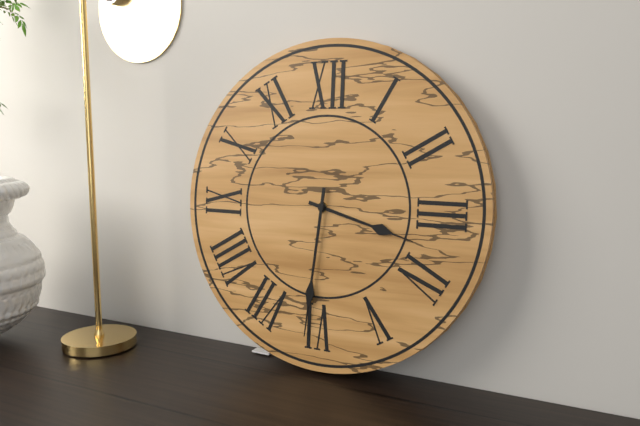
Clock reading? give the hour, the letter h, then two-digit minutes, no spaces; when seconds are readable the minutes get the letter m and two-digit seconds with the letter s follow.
3h31
